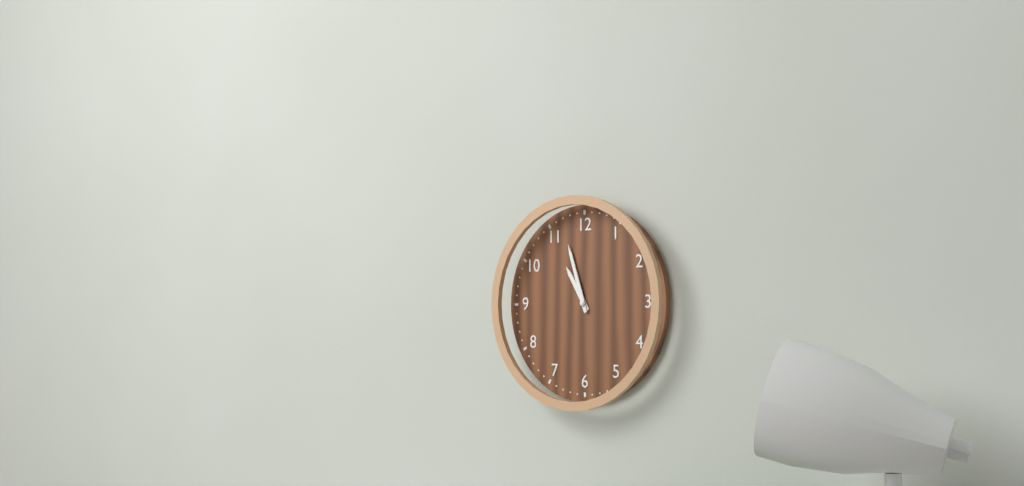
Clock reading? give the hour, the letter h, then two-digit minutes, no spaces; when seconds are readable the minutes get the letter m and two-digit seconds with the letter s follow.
10h57
